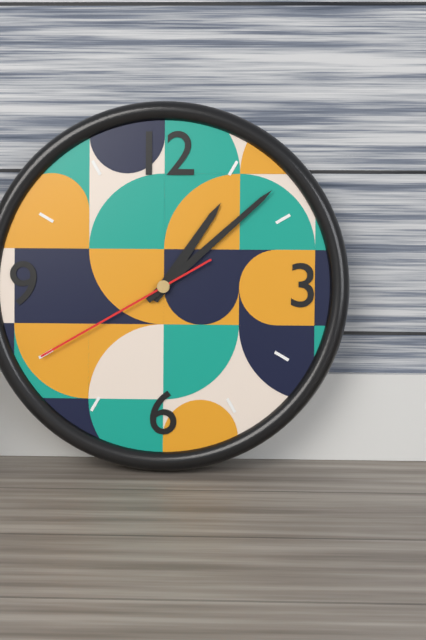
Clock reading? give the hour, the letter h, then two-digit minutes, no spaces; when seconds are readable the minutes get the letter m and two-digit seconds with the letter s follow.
1h08m40s
